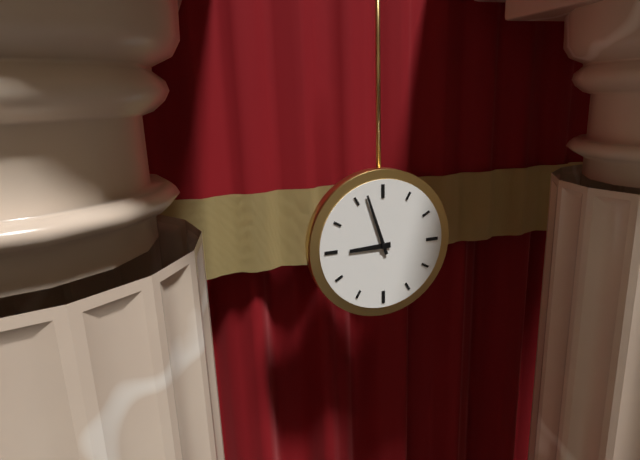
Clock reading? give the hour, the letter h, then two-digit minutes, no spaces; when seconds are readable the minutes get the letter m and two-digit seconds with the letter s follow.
8h57
